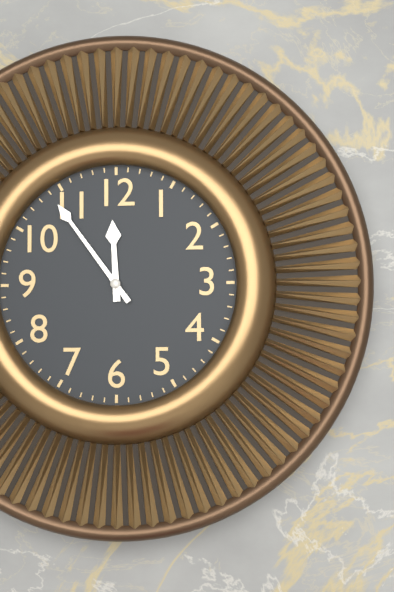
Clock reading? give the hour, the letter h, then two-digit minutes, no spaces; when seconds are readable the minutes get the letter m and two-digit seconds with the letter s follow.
11h54
